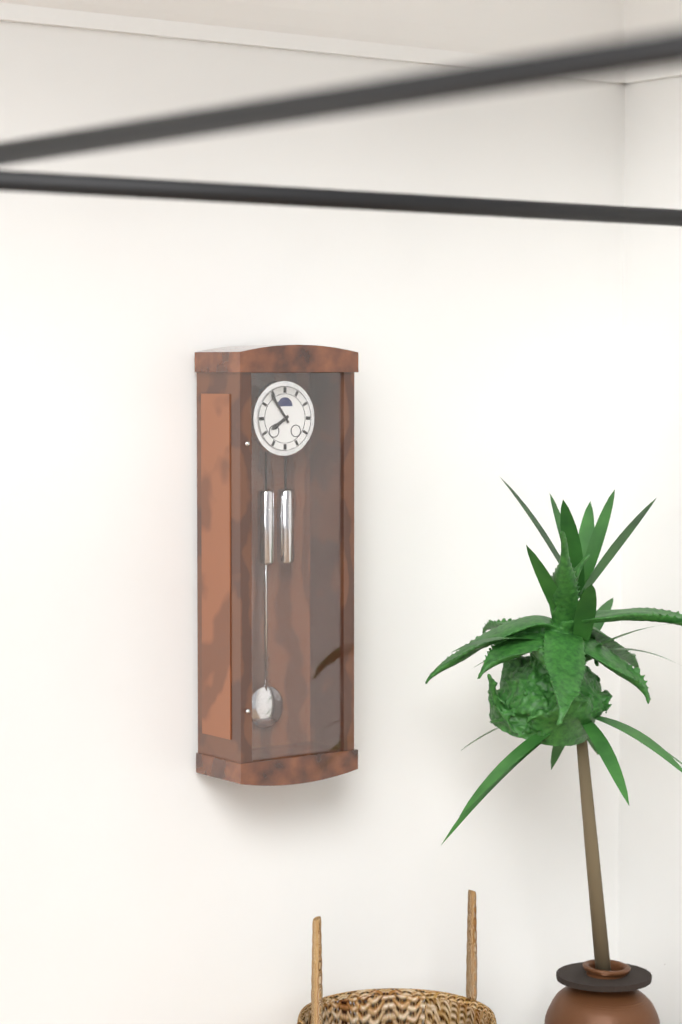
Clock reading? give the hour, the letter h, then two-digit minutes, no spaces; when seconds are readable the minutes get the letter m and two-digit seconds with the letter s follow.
7h54
